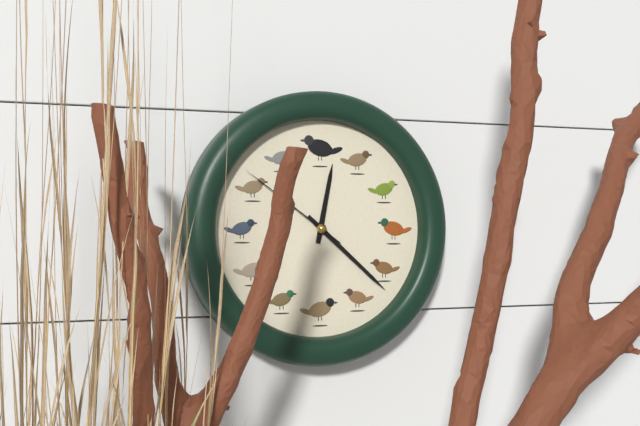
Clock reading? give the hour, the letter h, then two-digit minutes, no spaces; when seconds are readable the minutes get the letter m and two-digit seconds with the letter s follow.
12h22m51s
